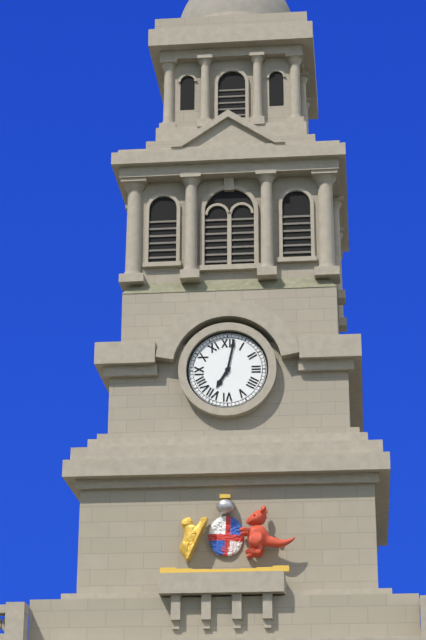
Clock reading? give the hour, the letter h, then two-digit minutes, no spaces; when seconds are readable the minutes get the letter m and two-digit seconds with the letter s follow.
7h02
